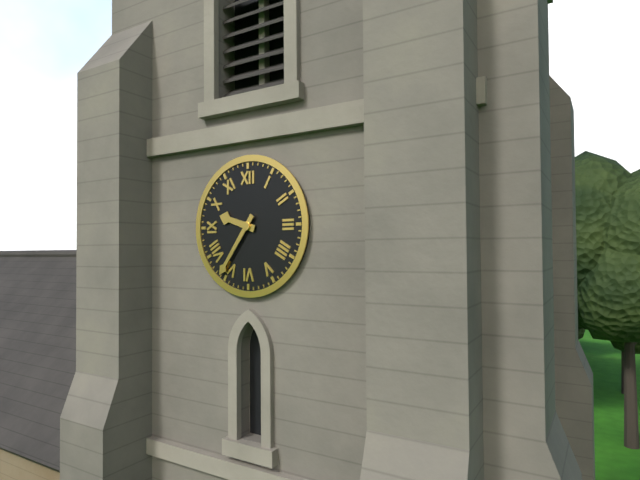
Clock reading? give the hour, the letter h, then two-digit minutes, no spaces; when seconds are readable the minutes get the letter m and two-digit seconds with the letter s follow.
9h36
